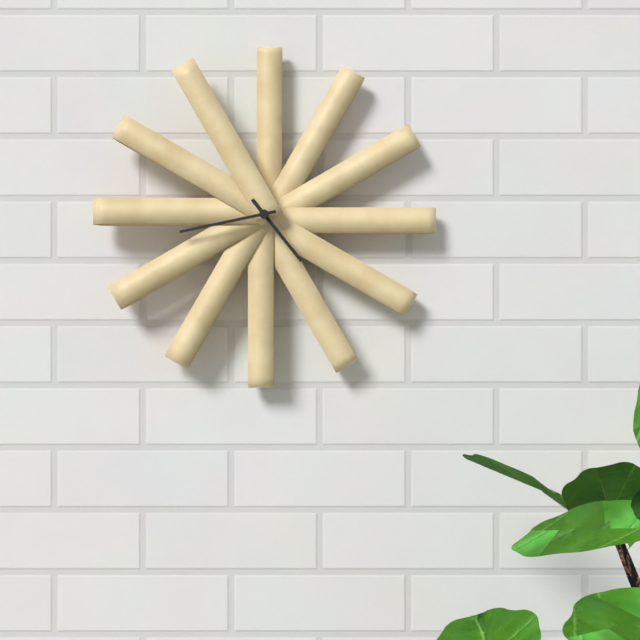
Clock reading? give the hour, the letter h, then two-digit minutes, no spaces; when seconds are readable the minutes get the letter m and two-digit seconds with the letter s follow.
4h43
